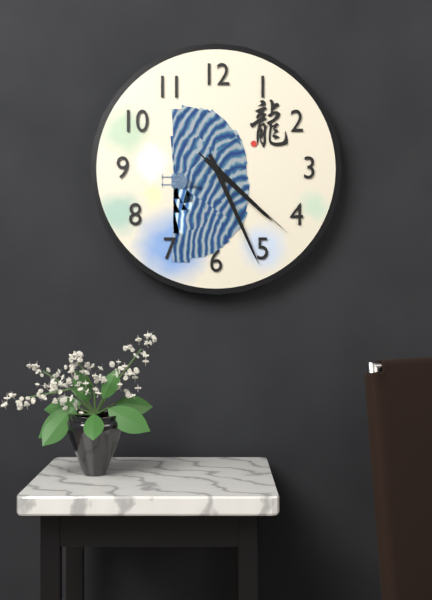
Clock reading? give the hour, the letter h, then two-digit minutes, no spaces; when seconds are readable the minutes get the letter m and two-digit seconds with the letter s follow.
4h26m22s
